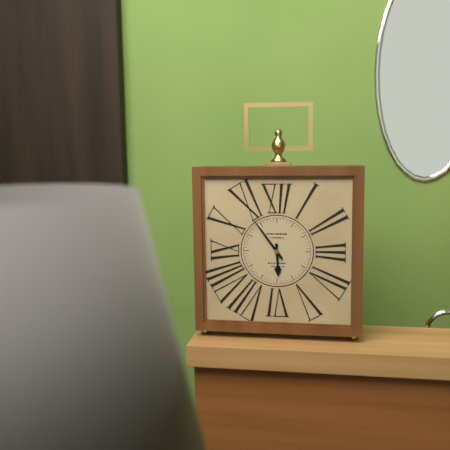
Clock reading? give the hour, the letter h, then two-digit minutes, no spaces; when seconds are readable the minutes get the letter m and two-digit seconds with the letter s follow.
5h54
